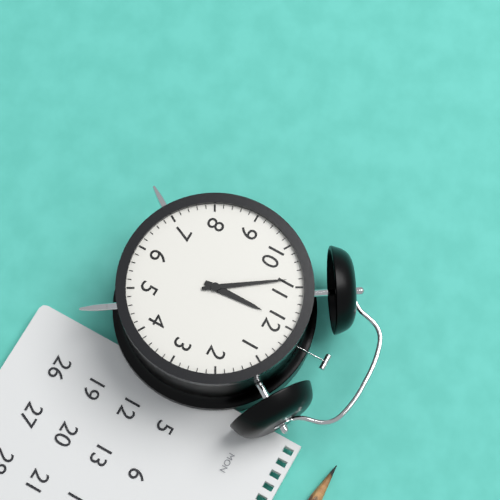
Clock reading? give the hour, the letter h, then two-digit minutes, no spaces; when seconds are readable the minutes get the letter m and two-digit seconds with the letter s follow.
11h54
